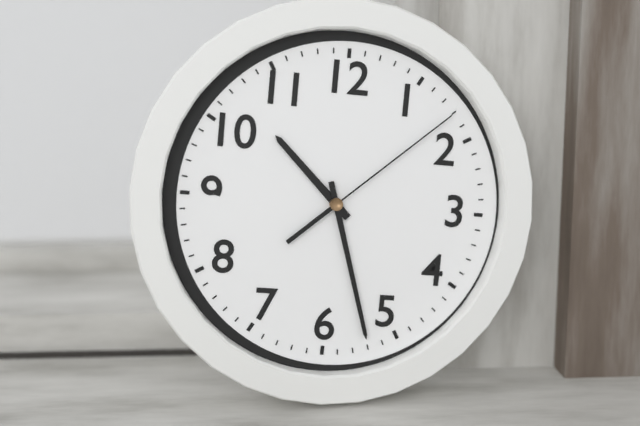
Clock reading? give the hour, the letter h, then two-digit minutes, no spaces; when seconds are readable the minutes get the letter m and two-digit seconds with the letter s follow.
10h27m08s
